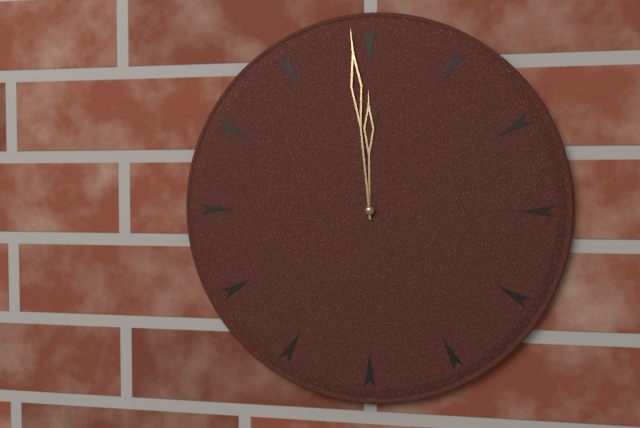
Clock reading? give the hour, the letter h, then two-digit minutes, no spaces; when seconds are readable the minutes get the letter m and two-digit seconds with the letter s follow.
11h59
